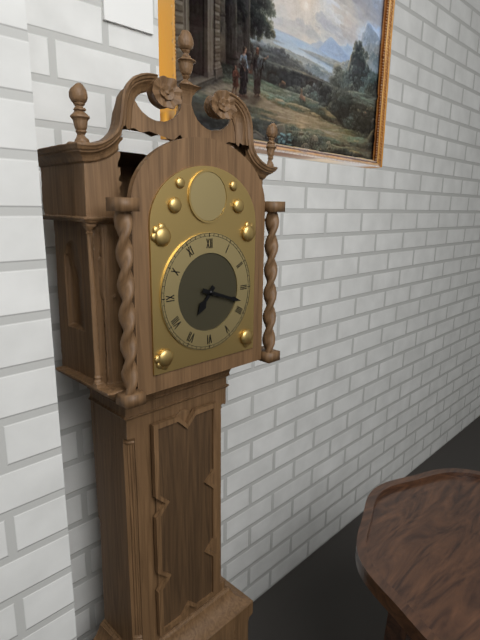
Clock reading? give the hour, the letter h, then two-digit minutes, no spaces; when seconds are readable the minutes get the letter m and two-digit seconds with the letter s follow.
7h18
